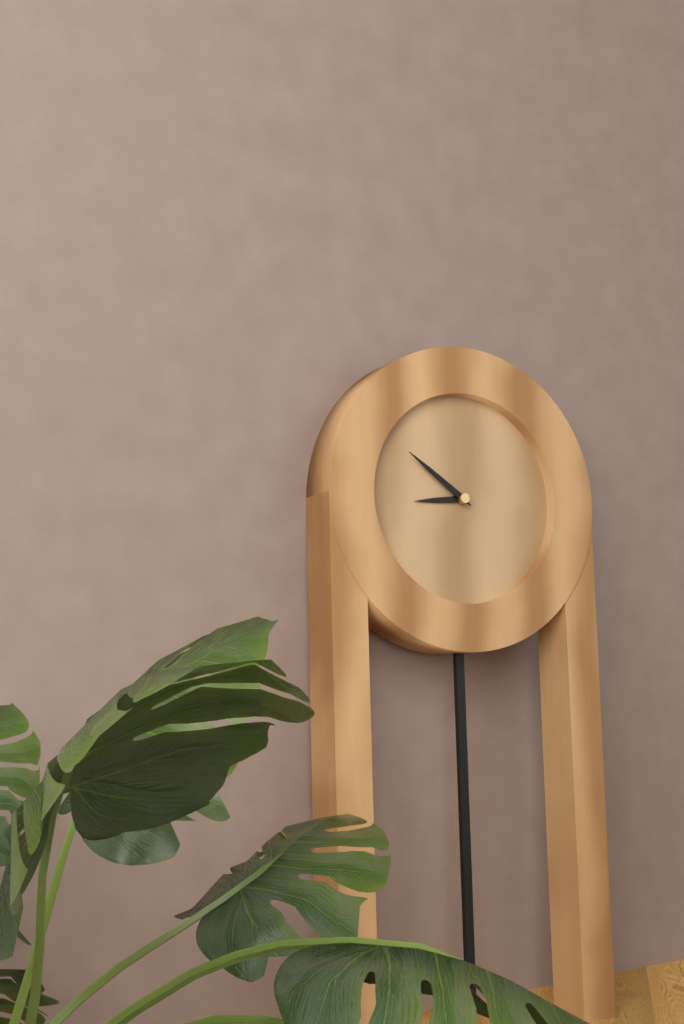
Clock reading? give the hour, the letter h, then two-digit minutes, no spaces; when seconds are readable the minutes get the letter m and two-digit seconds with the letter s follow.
8h51
